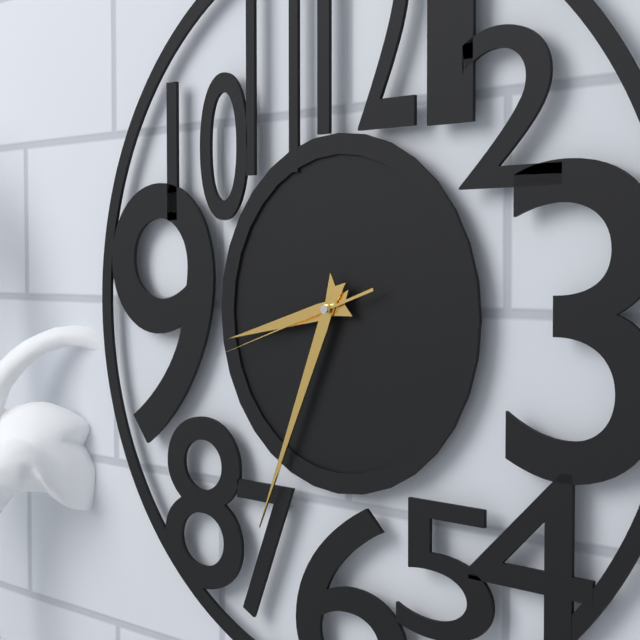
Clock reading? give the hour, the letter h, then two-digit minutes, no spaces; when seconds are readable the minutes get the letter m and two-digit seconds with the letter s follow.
8h34m42s
